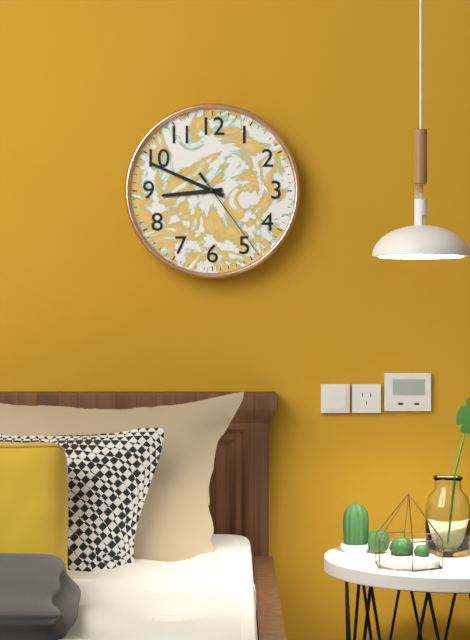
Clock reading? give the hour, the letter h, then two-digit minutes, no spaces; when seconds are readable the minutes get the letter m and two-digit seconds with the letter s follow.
8h49m24s
